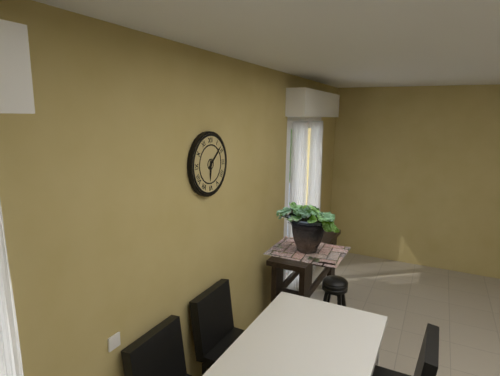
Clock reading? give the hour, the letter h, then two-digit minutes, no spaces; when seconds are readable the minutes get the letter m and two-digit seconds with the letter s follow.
6h08
